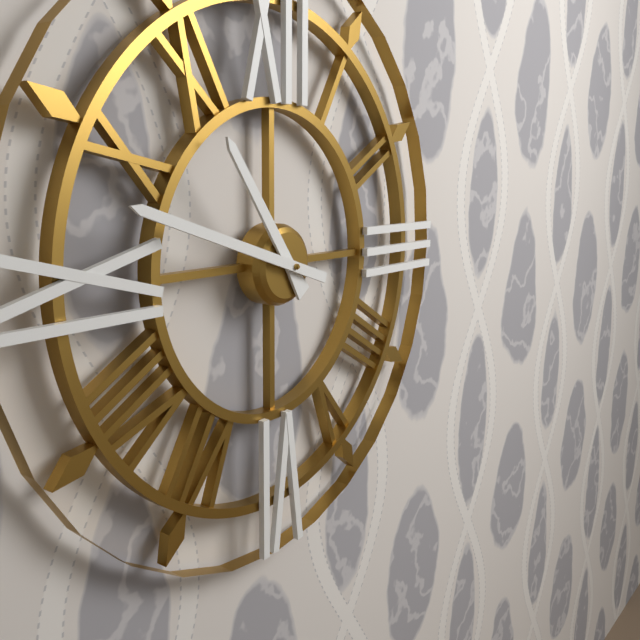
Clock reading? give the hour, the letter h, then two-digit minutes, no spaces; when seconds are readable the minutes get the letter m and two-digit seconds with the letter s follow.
10h48
